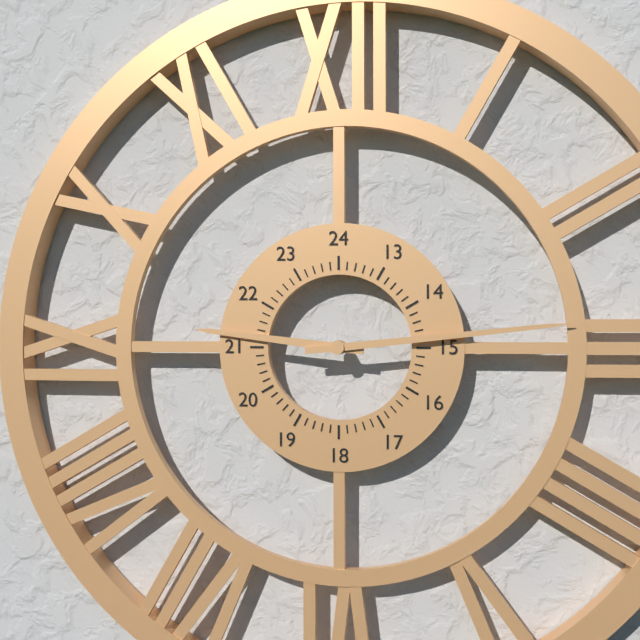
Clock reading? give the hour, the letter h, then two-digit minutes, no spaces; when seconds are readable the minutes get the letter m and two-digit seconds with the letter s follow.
9h14
